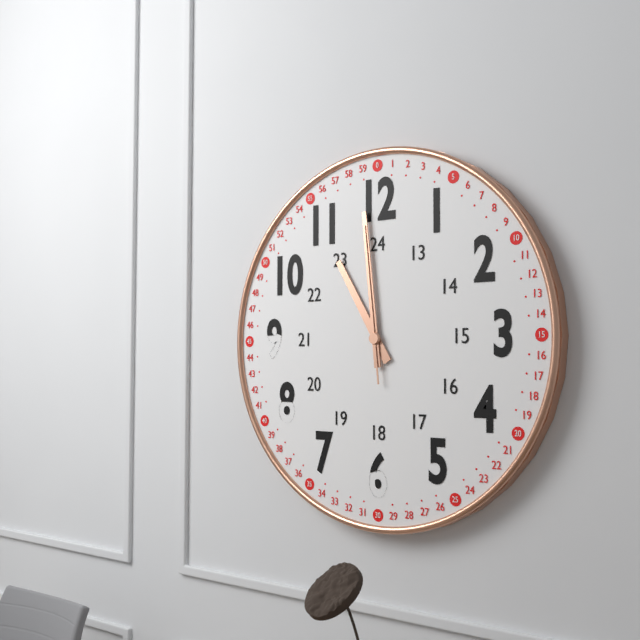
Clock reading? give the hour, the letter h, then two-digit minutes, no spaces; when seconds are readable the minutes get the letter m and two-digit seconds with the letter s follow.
10h59m59s
